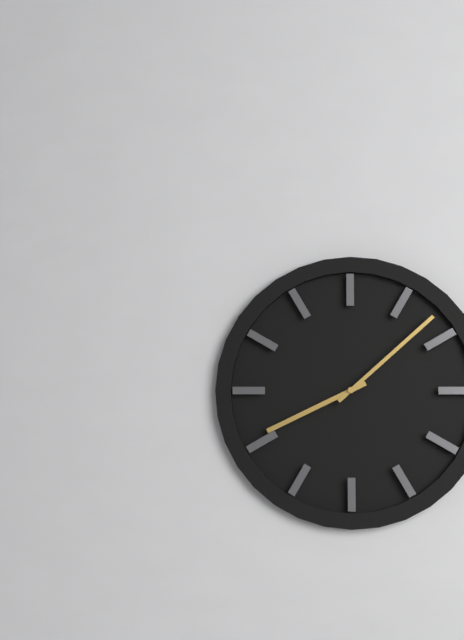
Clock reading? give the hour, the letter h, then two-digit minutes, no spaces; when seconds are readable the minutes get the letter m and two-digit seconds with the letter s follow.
8h08
